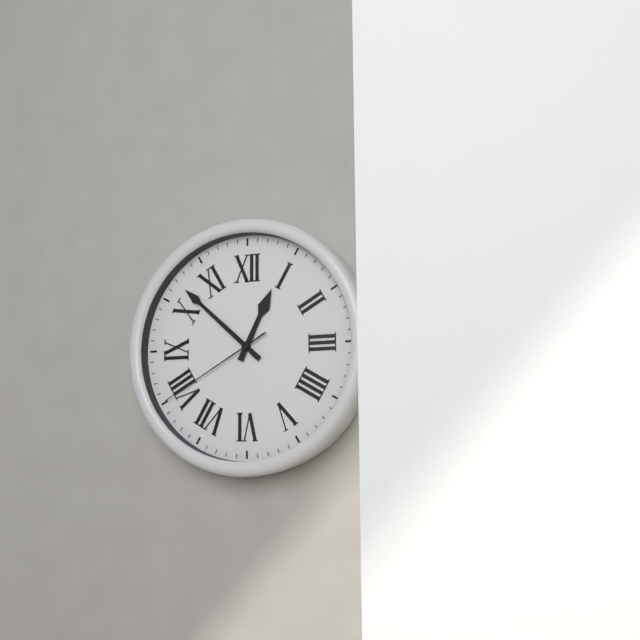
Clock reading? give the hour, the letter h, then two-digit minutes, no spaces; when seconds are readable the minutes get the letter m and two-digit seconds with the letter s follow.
12h52m40s
